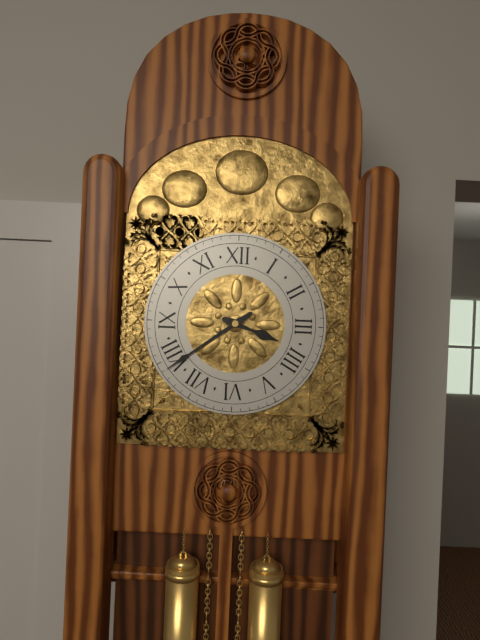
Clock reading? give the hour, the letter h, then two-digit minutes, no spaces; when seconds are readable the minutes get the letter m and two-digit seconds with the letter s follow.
3h39
